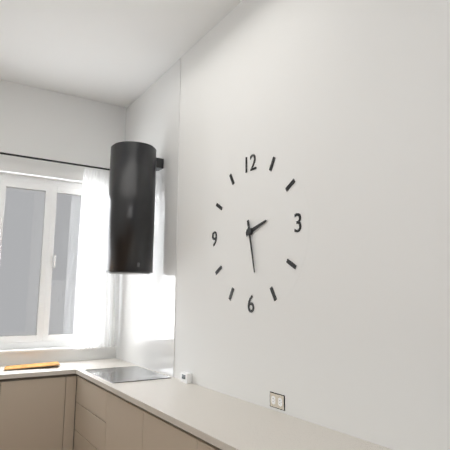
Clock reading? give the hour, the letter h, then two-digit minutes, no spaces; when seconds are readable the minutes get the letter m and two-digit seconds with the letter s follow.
2h28
